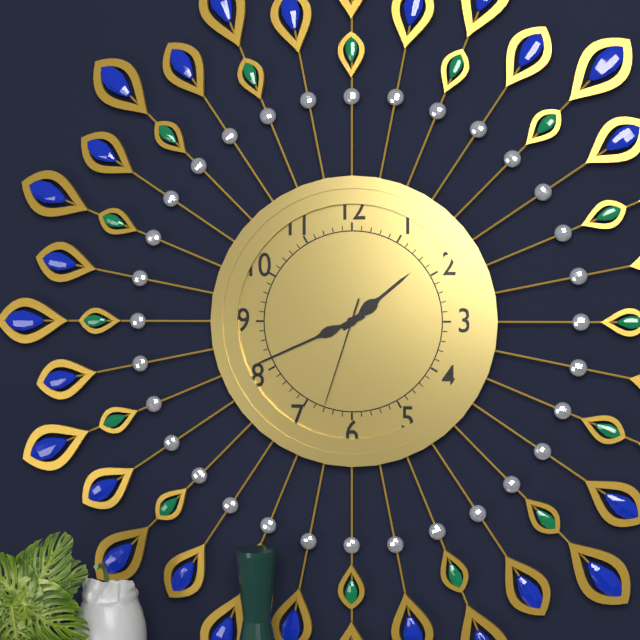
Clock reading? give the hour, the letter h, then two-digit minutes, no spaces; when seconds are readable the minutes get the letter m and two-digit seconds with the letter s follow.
1h41m33s
